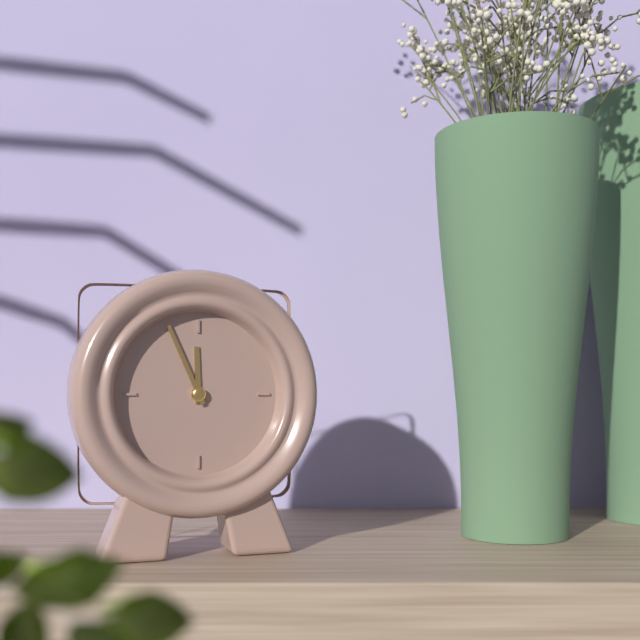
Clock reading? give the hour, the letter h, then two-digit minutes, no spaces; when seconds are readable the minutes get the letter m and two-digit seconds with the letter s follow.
11h56
